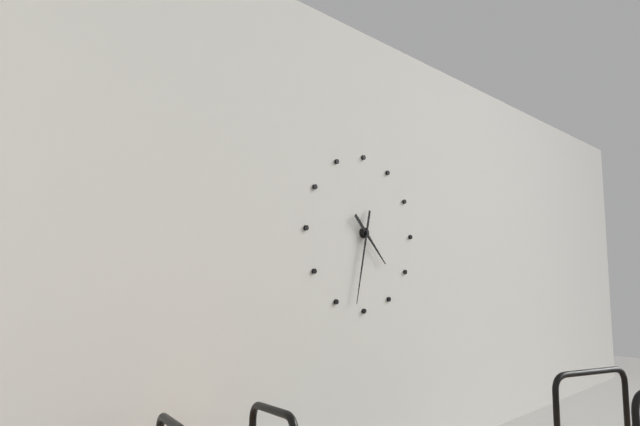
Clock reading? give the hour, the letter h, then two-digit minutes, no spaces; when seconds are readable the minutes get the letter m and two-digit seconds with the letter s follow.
4h32
